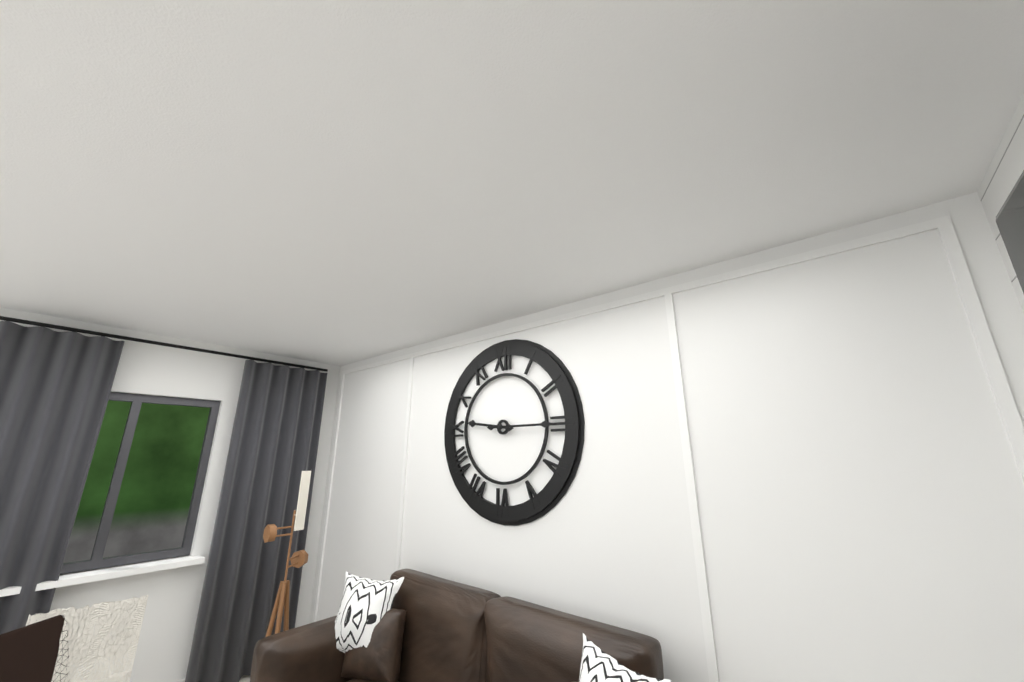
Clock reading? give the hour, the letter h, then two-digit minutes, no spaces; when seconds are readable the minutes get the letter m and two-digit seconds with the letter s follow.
9h15
